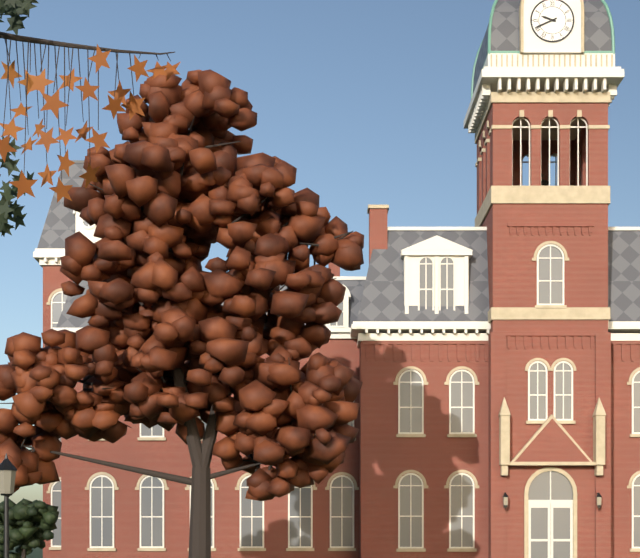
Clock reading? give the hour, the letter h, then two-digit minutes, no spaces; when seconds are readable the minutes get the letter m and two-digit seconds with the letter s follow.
9h41
